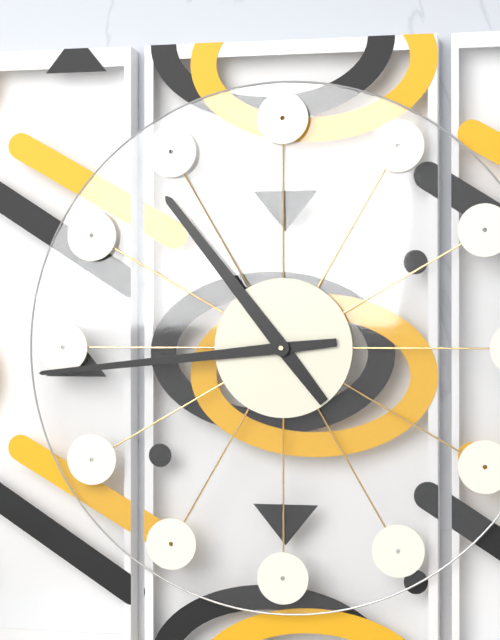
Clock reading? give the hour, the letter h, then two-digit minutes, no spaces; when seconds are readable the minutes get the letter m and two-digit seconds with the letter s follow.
10h44
